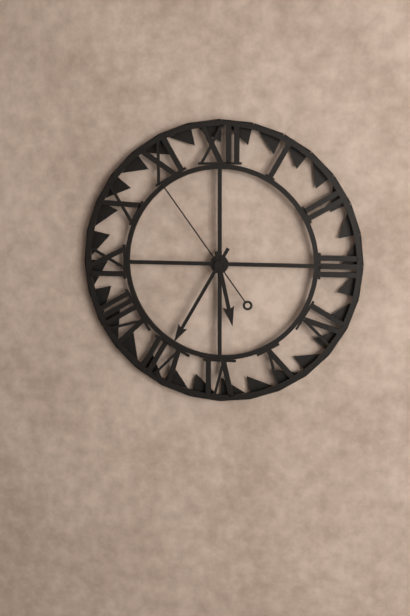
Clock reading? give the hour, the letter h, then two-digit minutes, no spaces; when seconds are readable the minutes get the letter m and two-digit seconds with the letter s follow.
5h35m54s
